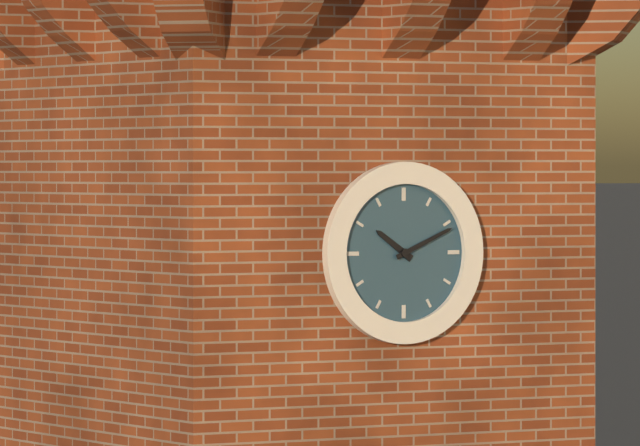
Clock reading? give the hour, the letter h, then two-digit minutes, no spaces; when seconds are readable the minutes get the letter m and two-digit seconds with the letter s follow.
10h11
